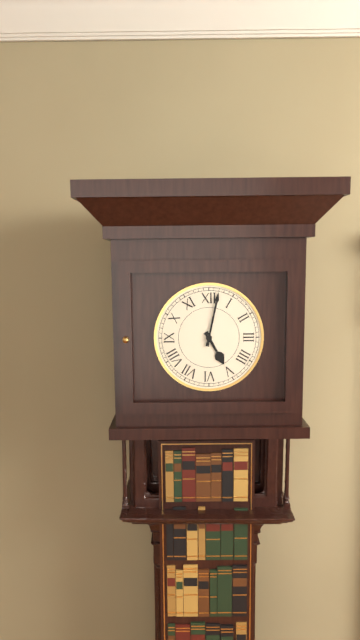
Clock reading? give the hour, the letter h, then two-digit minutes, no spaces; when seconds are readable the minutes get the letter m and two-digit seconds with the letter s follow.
5h02
